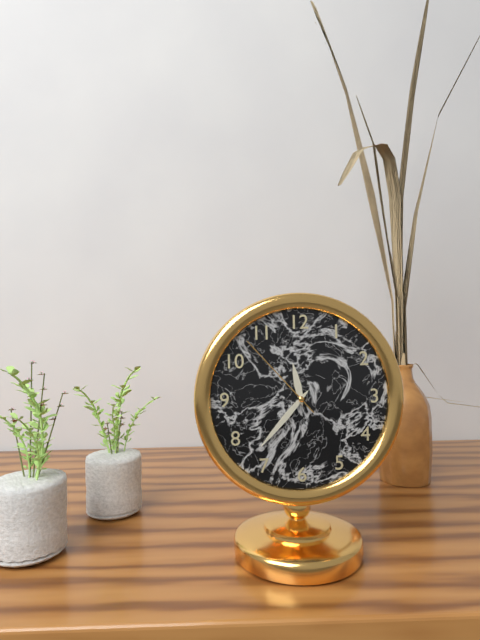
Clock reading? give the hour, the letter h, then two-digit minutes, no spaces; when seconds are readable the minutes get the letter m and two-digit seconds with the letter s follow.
11h37m53s
